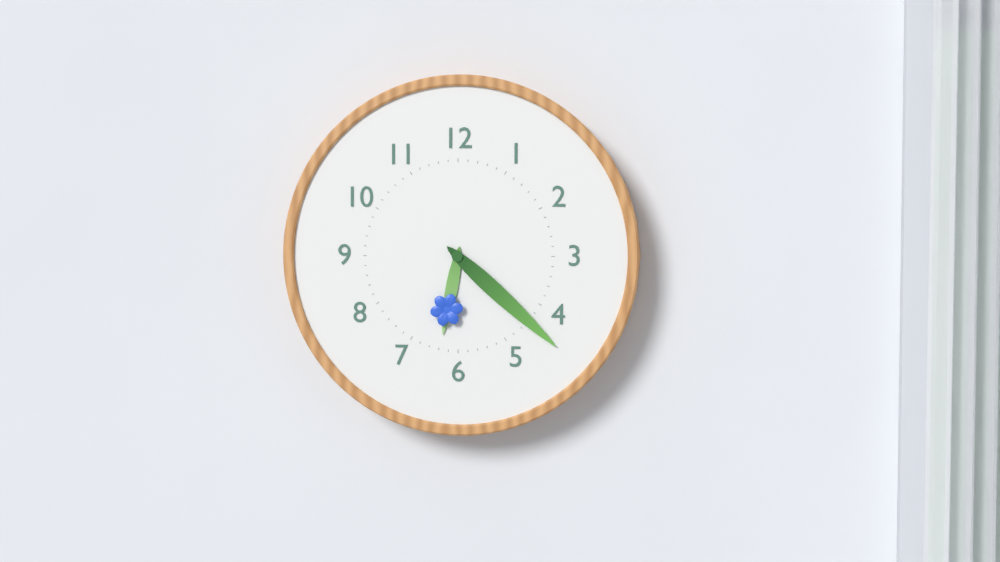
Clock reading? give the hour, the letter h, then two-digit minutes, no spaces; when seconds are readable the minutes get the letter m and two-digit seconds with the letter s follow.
6h22
